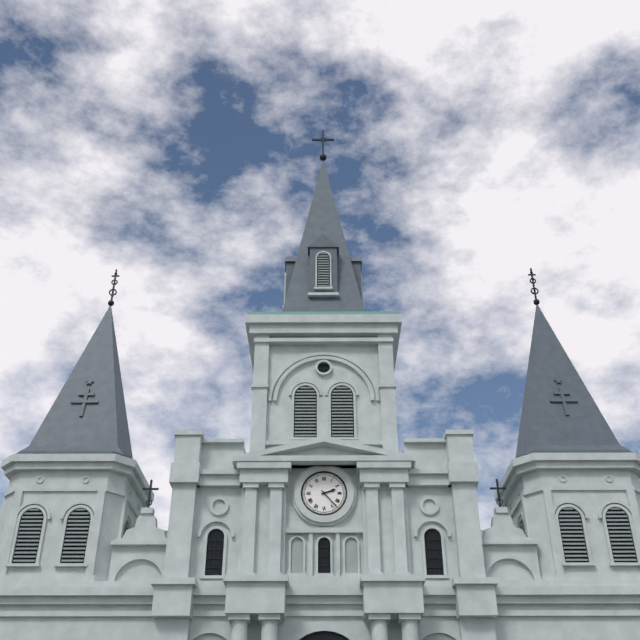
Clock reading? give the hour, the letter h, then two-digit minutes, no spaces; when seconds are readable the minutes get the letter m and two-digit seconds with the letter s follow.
2h23
